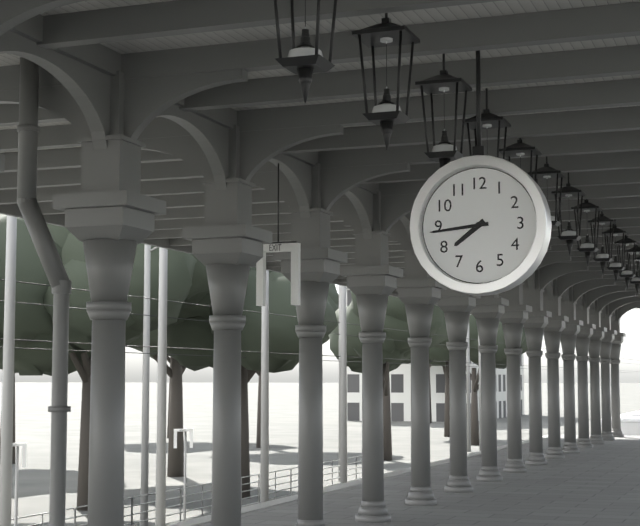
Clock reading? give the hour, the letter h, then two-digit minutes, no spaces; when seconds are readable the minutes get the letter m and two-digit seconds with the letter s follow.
7h44
